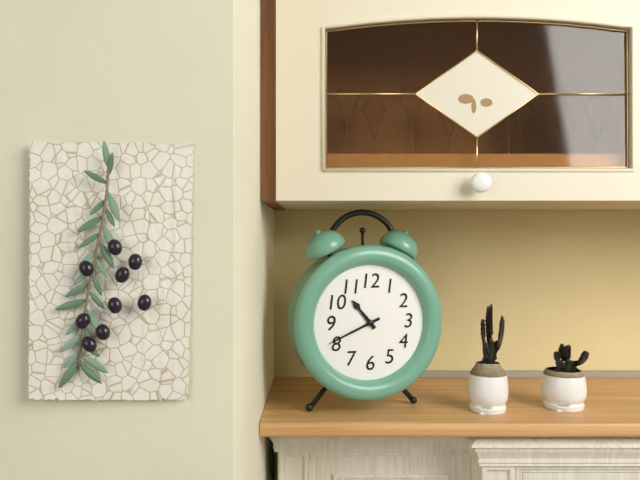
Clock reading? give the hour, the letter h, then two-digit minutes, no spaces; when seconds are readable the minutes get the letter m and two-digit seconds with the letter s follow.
10h41
